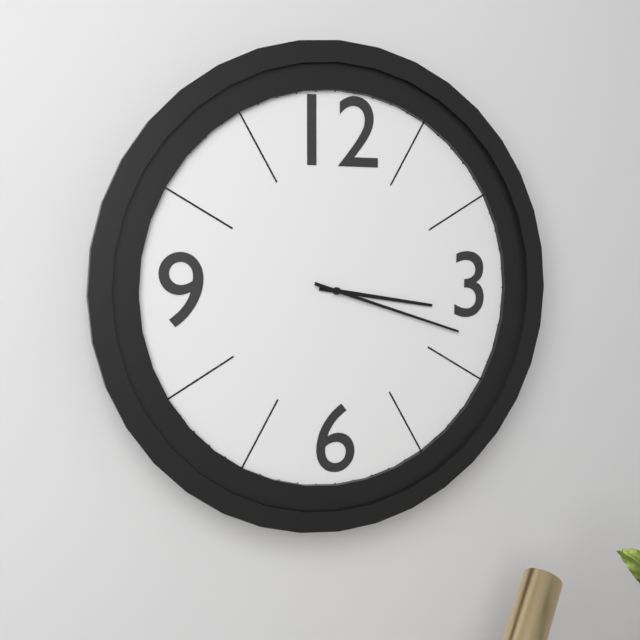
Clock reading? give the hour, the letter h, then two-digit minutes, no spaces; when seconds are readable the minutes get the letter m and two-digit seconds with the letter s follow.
3h18
